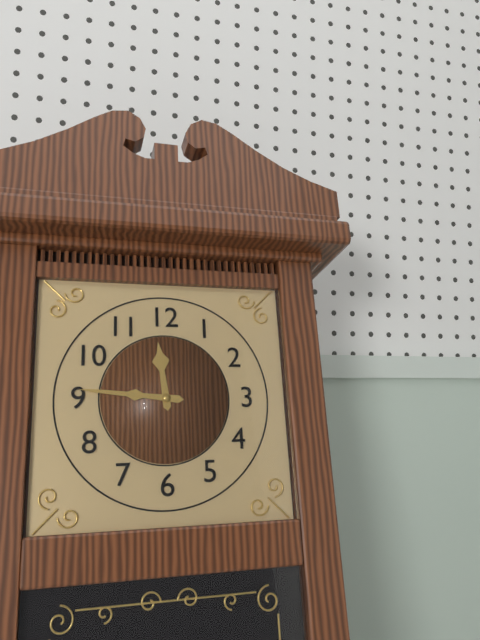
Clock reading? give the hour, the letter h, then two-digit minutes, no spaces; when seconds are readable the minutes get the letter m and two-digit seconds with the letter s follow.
11h46
